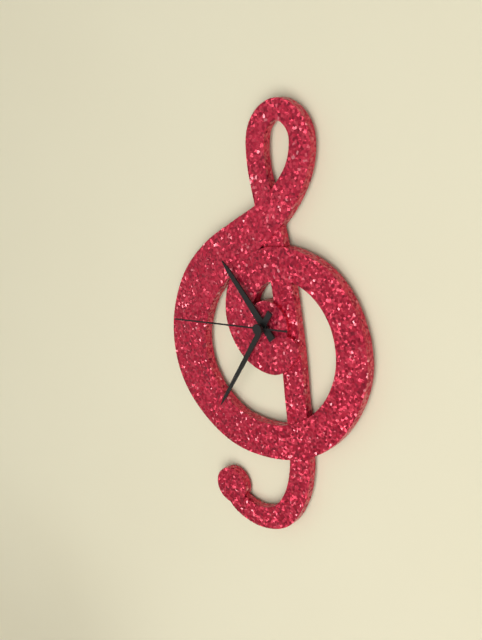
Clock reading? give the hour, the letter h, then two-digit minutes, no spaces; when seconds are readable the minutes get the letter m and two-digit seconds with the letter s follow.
10h35m44s
